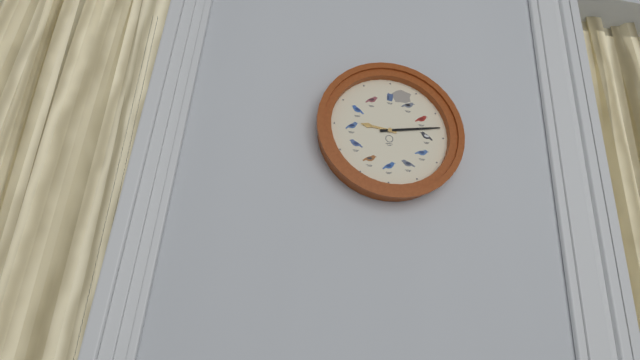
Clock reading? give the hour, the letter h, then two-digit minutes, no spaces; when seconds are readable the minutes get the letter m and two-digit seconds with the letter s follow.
9h13
